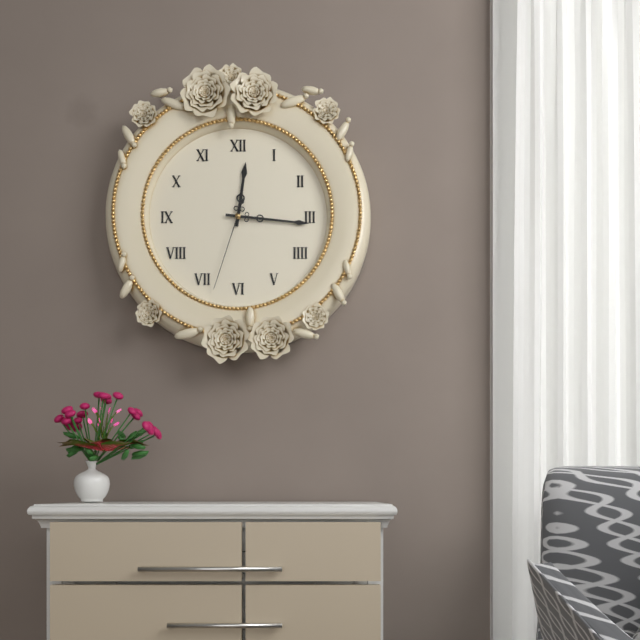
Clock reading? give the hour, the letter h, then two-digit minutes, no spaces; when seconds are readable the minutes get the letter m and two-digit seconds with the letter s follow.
12h16m33s
